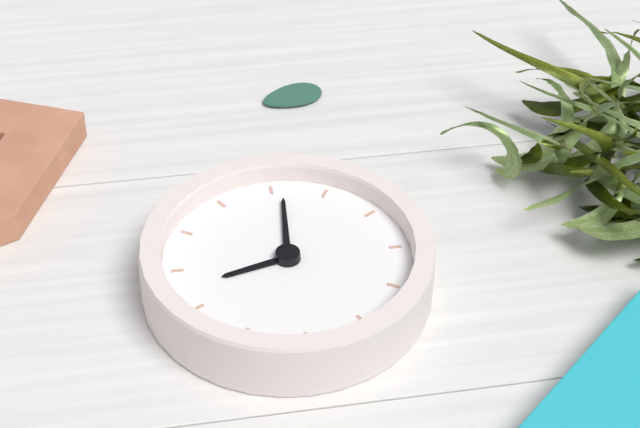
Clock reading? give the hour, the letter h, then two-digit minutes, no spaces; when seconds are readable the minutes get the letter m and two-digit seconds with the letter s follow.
2h31
